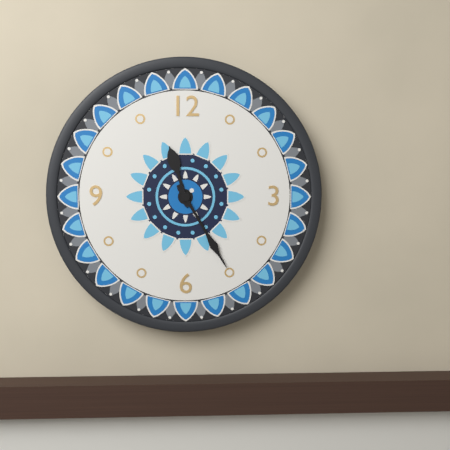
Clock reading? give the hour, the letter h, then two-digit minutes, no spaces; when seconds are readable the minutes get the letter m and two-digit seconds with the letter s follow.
11h25
